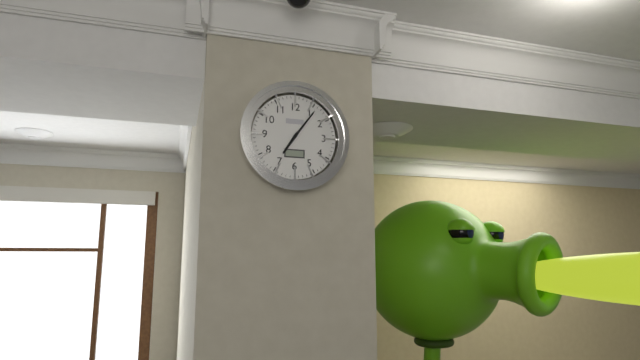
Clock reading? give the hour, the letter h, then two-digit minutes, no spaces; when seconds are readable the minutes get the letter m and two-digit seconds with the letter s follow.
7h06
